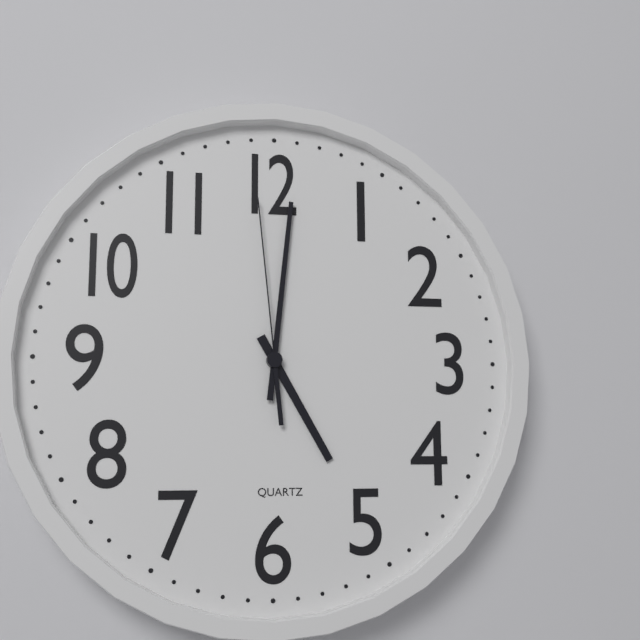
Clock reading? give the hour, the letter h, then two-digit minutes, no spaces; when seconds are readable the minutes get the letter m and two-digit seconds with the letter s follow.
5h01m59s
